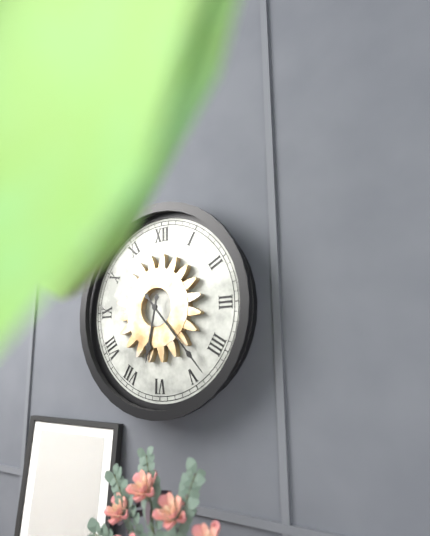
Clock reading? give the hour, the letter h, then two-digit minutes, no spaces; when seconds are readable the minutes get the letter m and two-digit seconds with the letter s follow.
6h23
